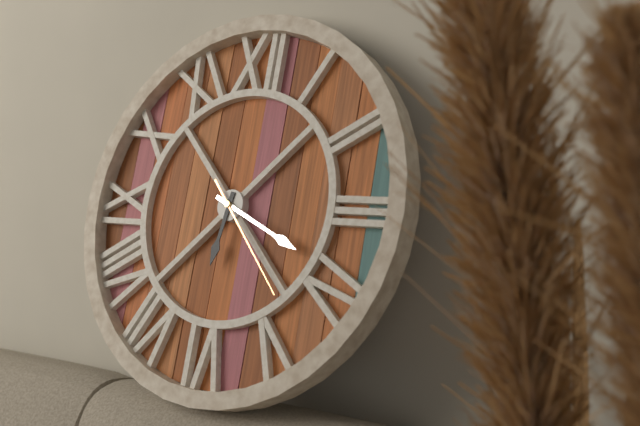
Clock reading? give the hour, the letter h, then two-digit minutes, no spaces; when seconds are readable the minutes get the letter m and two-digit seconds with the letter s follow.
6h19m23s
